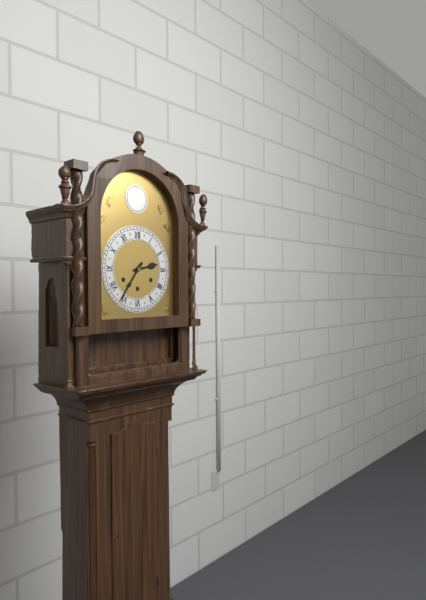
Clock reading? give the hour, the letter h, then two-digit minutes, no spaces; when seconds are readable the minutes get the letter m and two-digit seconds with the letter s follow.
2h36
